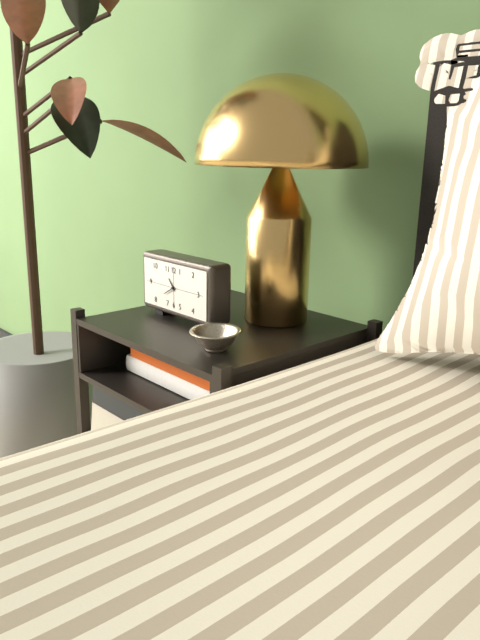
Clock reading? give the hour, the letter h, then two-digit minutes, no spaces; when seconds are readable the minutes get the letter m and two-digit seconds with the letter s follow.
10h40
